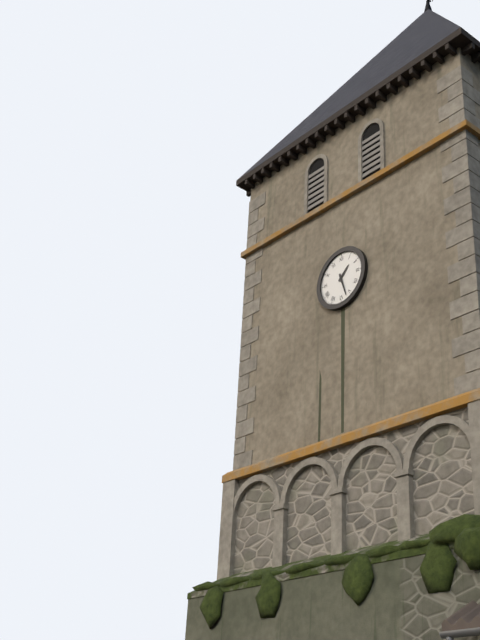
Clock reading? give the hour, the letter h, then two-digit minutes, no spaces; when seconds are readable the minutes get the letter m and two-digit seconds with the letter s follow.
1h27
